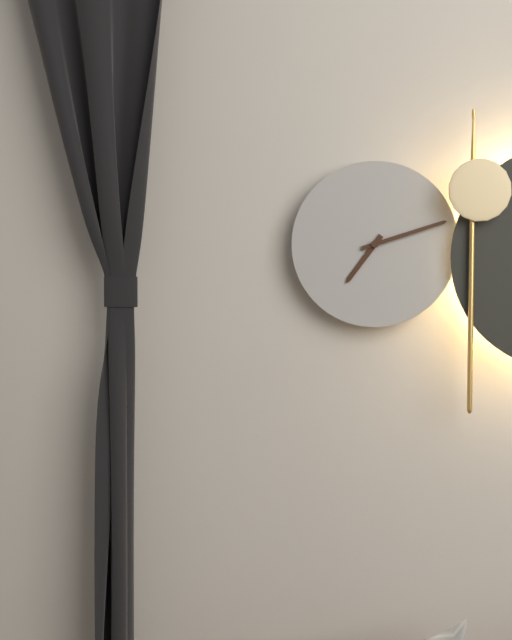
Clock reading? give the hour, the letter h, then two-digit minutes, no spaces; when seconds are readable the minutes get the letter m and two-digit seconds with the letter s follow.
7h12
